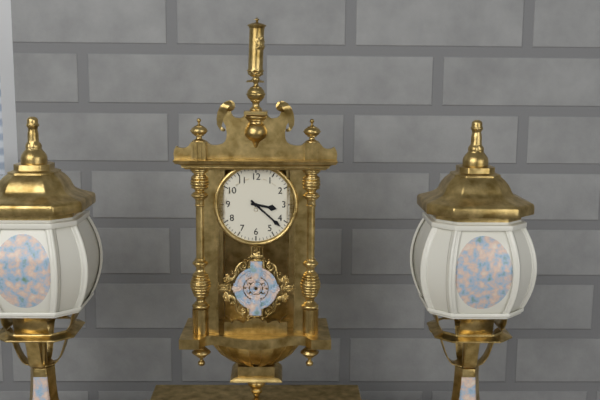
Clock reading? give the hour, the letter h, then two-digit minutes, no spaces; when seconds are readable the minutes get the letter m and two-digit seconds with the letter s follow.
3h22
